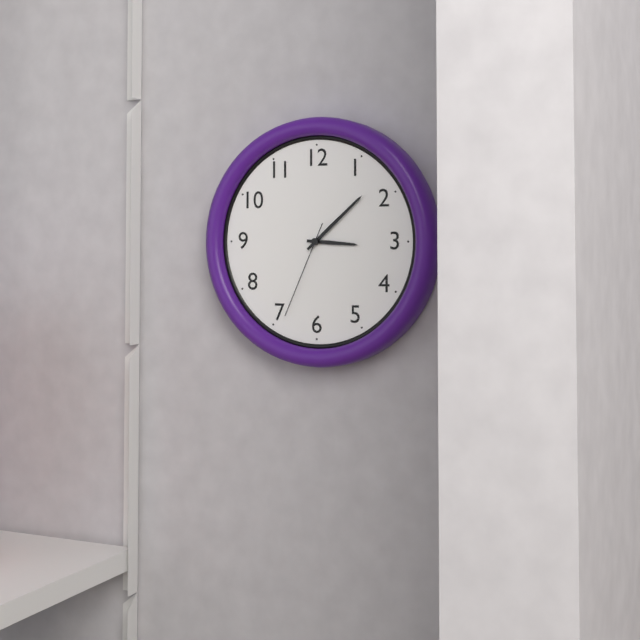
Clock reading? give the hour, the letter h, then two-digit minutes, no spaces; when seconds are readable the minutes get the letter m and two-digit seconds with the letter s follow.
3h08m34s
